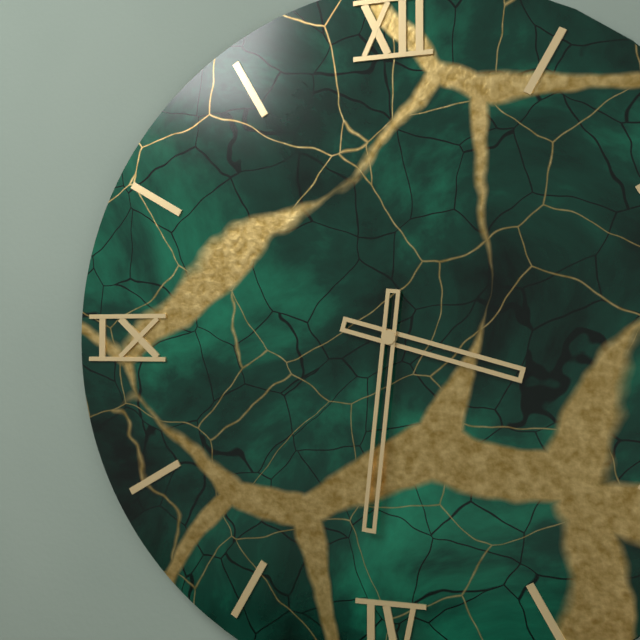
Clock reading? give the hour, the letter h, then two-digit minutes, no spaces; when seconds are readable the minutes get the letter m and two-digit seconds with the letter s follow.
3h31
